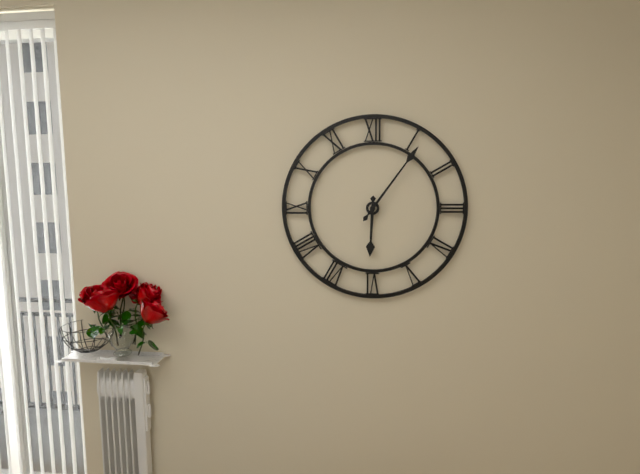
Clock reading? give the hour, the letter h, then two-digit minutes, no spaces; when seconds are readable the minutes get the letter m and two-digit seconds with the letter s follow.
6h06
